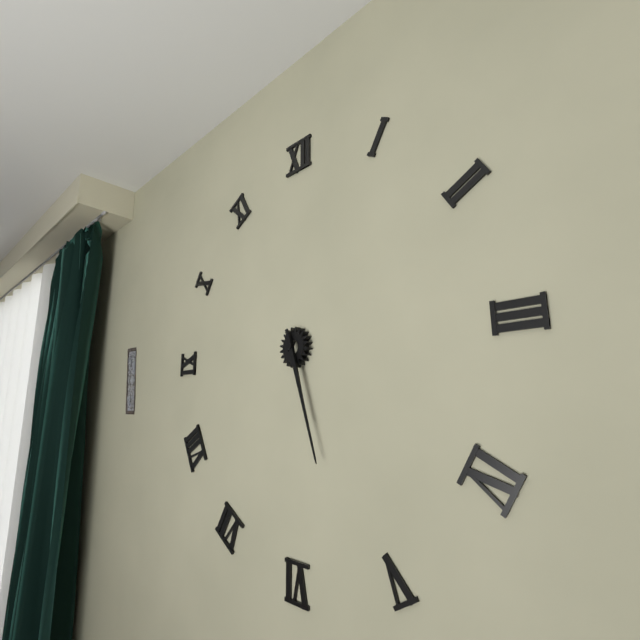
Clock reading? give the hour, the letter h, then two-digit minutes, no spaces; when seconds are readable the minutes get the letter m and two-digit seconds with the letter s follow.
5h27
